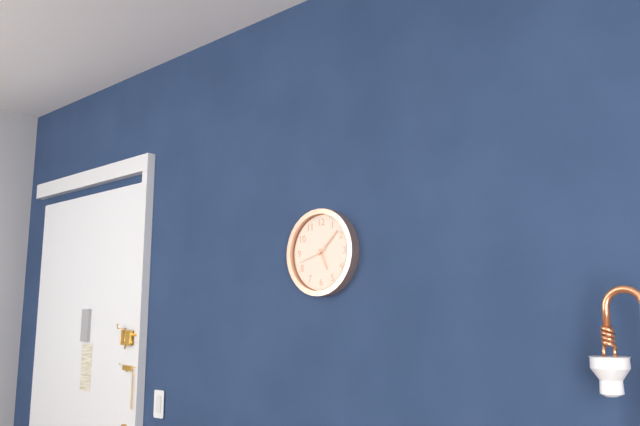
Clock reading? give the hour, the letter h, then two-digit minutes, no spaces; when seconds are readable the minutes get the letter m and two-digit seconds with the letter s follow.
5h08
